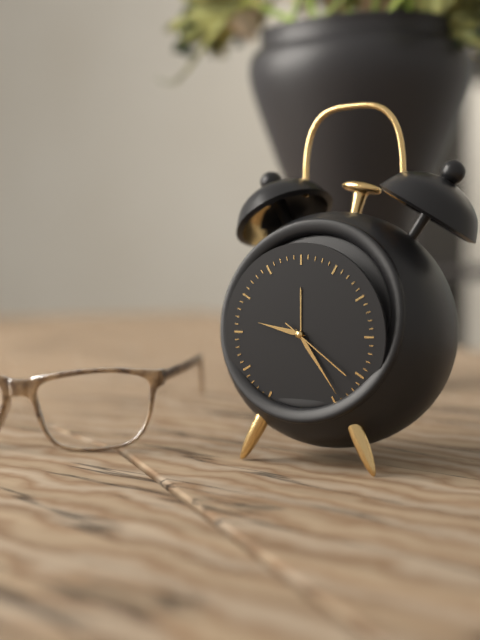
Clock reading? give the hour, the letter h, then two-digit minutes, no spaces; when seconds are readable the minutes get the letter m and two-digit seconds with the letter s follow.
9h24m21s
